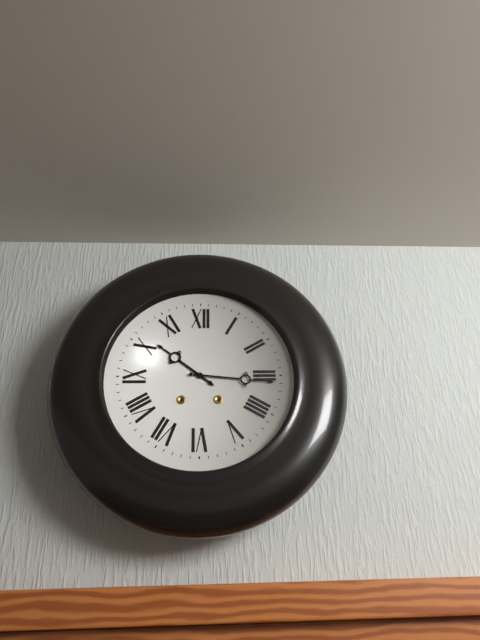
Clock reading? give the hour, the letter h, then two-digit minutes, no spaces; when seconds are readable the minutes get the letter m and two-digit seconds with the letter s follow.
10h16
